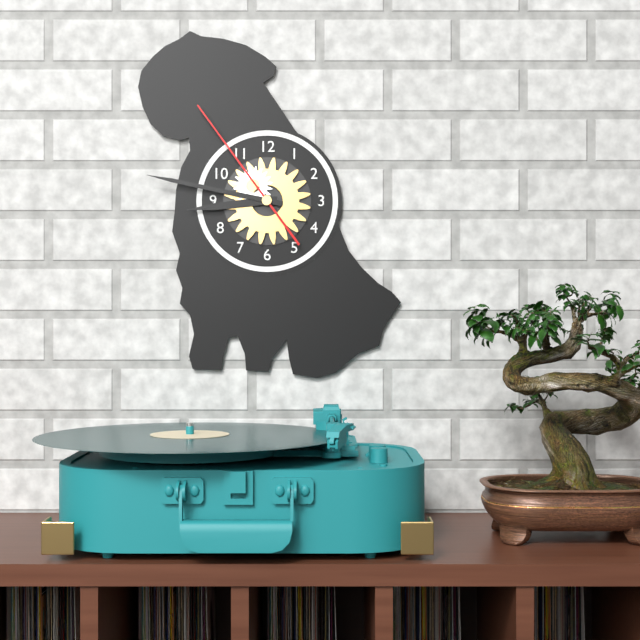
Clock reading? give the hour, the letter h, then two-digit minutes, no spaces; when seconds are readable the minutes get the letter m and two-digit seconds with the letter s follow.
8h47m54s
